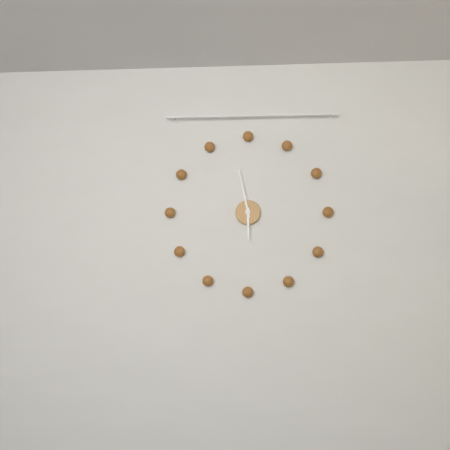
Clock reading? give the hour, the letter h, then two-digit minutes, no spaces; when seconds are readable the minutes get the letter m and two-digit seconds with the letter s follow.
5h58
